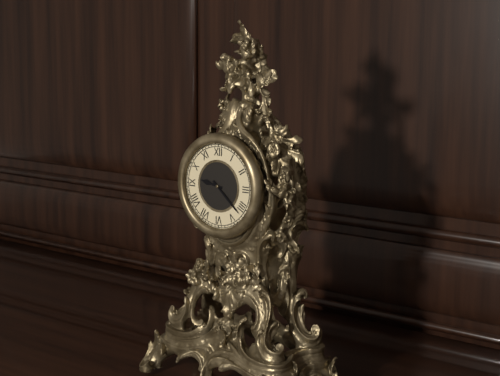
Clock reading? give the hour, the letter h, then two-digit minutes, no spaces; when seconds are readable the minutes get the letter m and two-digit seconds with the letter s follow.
9h22
